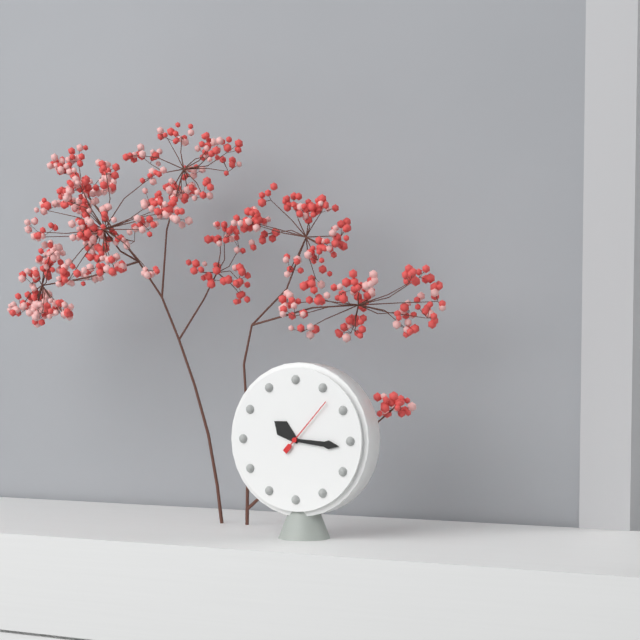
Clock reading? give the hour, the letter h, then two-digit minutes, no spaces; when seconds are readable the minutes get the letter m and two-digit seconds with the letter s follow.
10h16m07s
